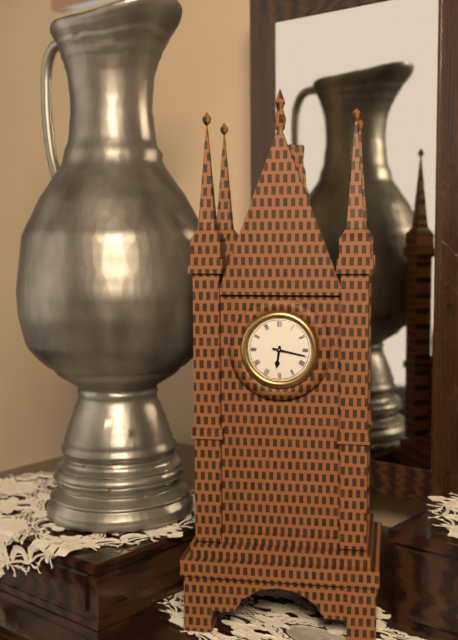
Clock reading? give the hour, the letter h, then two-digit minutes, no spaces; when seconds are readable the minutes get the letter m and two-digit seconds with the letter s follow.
6h17
